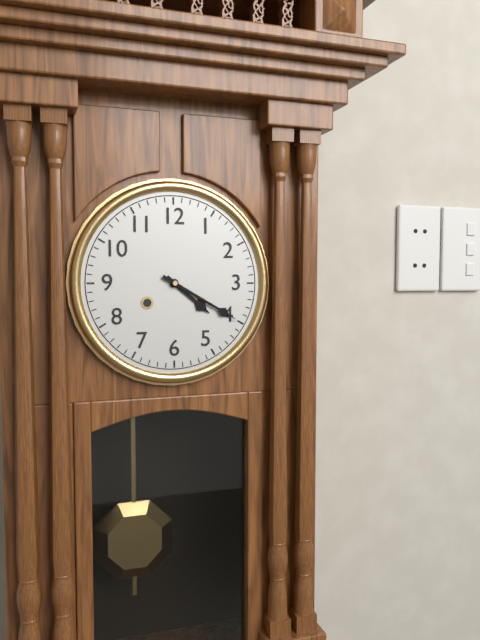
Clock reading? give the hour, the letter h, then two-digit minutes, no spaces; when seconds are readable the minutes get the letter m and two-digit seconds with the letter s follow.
4h20
